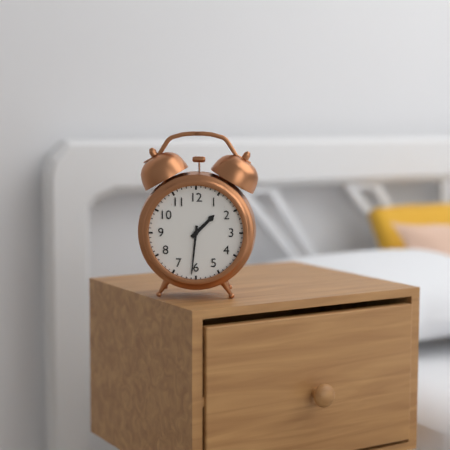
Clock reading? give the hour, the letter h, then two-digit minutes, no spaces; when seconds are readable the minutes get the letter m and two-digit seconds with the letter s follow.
1h31
